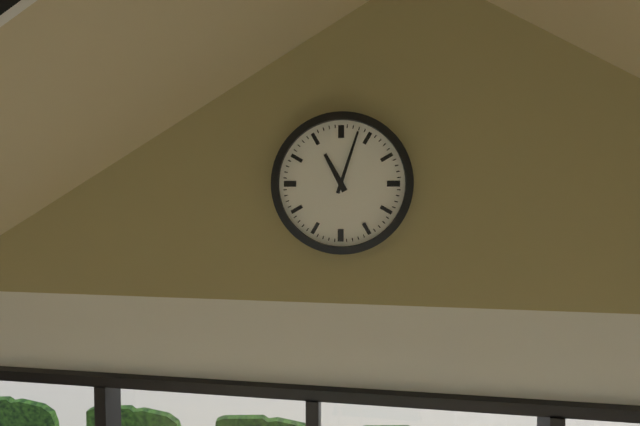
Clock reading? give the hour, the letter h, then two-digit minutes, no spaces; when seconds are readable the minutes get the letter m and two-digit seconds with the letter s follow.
11h03
